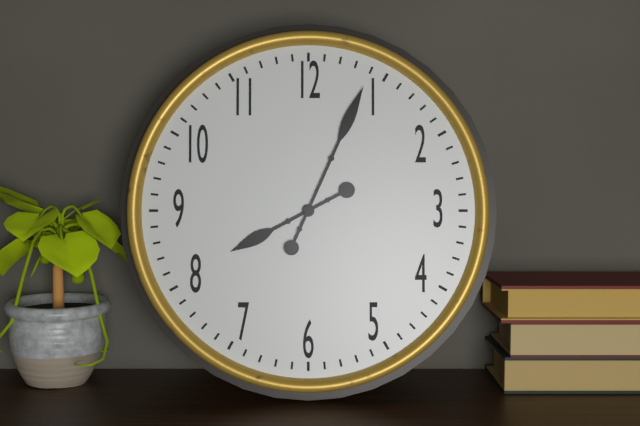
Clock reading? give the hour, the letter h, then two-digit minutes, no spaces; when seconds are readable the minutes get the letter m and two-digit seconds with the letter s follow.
8h04
